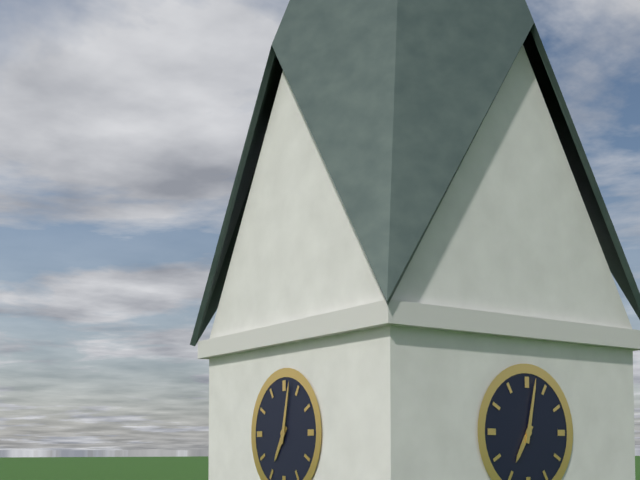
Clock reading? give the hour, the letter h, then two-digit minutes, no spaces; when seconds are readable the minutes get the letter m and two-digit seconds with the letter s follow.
7h02
